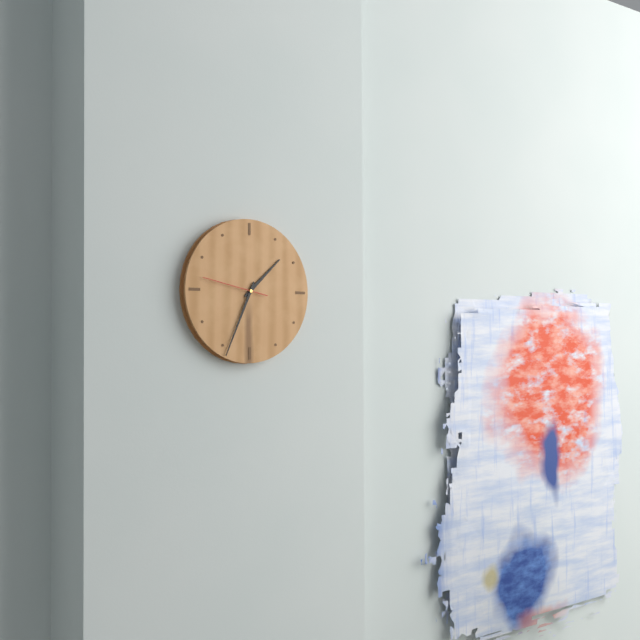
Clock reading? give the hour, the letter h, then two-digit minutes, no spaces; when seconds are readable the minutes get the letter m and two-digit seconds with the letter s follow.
1h34m47s
